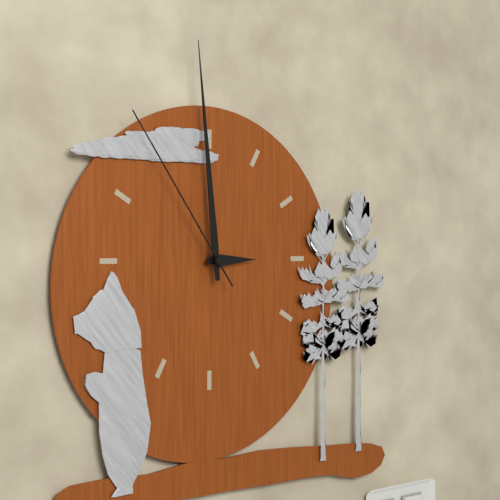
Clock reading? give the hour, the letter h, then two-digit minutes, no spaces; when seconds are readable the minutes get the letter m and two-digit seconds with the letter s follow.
2h59m54s
